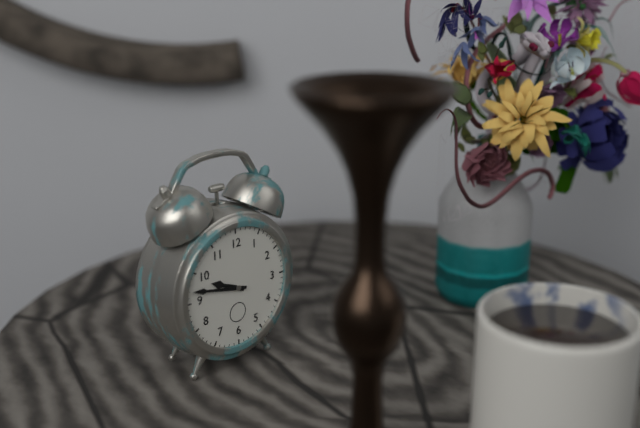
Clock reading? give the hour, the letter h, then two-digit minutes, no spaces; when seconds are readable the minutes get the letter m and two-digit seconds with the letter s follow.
9h47
